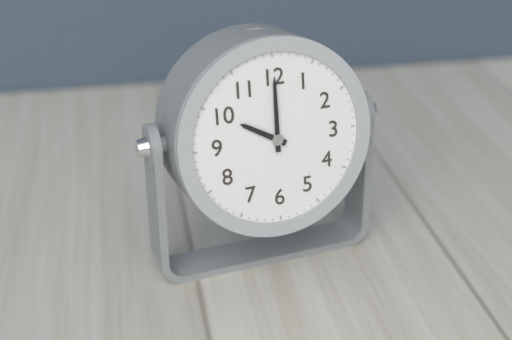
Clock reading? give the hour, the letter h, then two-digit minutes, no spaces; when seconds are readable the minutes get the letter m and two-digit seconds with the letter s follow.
10h00
